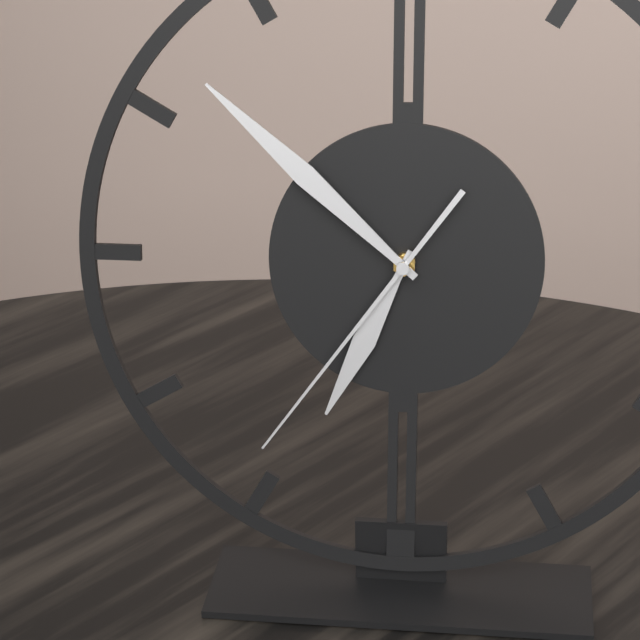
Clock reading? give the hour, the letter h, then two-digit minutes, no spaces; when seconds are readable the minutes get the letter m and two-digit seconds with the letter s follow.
6h52m36s
